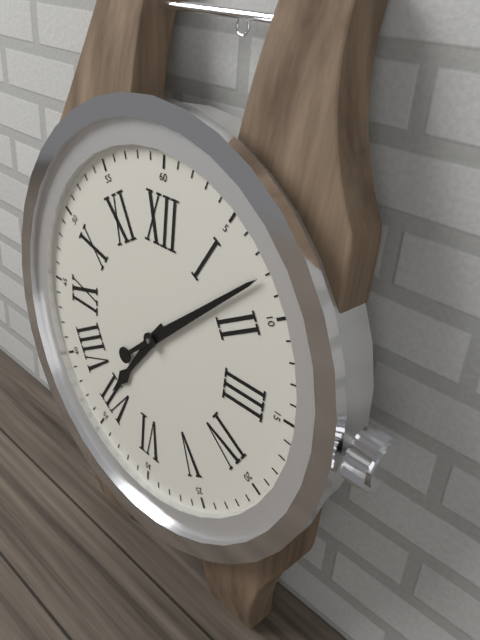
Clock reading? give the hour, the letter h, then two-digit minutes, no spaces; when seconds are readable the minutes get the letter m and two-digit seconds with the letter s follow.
7h08
